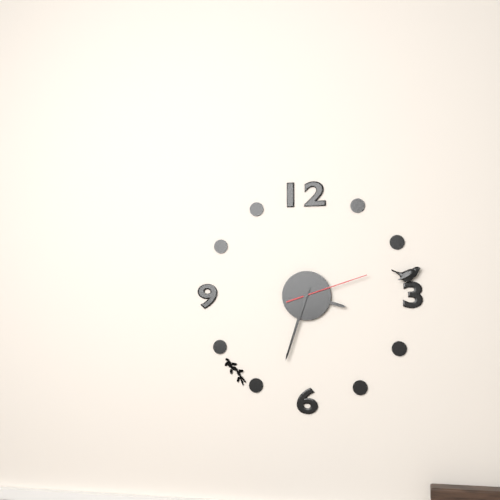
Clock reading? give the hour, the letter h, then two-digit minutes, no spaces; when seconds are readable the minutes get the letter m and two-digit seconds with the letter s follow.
3h33m12s
